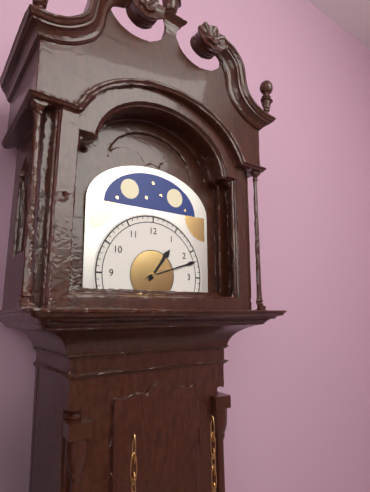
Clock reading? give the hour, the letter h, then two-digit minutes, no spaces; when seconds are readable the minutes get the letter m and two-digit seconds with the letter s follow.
1h12
